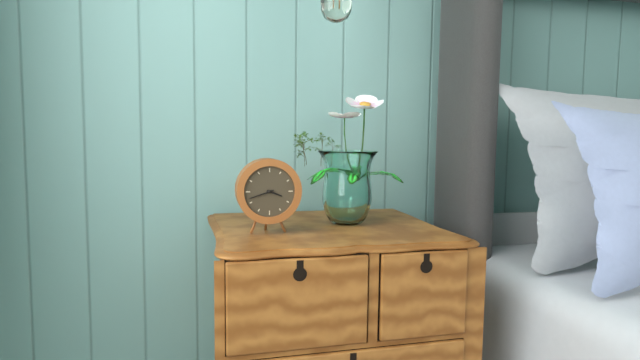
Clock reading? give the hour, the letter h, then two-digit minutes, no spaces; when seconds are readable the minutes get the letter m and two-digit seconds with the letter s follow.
3h42
